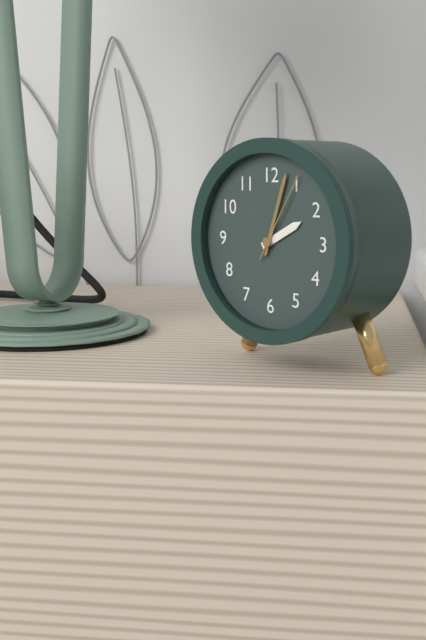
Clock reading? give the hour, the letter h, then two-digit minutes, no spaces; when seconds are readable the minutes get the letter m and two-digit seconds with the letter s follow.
2h03m05s
